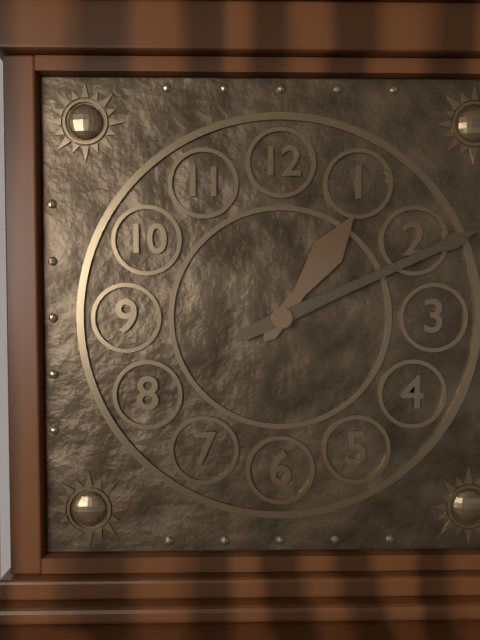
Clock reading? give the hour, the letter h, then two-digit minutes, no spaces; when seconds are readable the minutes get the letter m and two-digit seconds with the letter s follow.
1h11
